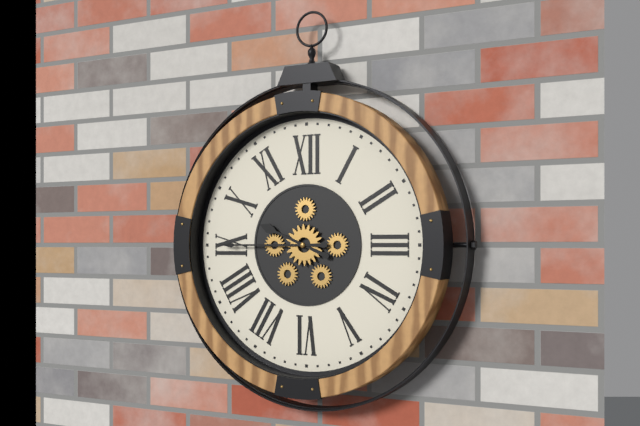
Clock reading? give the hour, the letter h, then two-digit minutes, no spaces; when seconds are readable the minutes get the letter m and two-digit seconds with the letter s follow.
9h45
